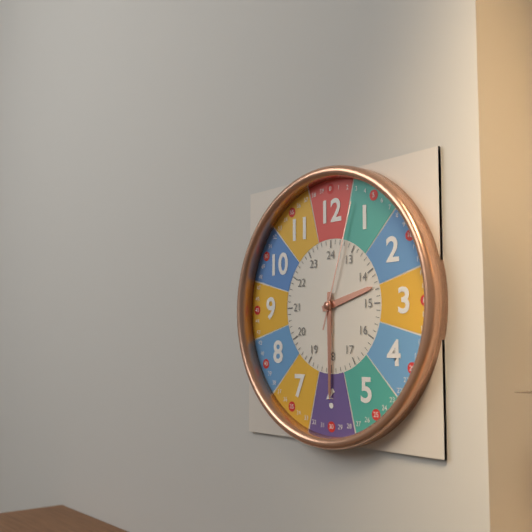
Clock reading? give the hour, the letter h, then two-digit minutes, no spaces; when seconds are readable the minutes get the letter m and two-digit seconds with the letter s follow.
2h30m03s
